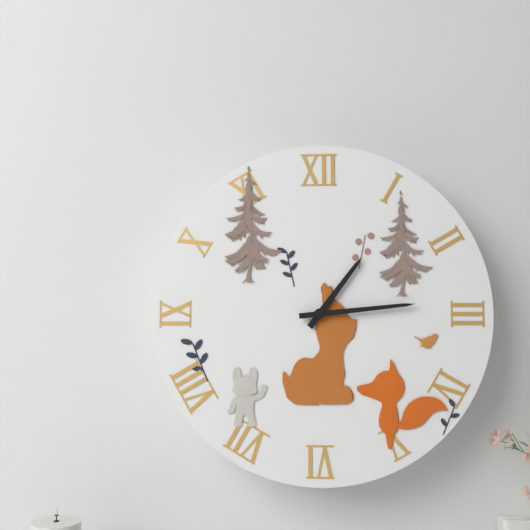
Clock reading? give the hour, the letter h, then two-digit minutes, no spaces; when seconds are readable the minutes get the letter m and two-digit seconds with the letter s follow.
1h14
